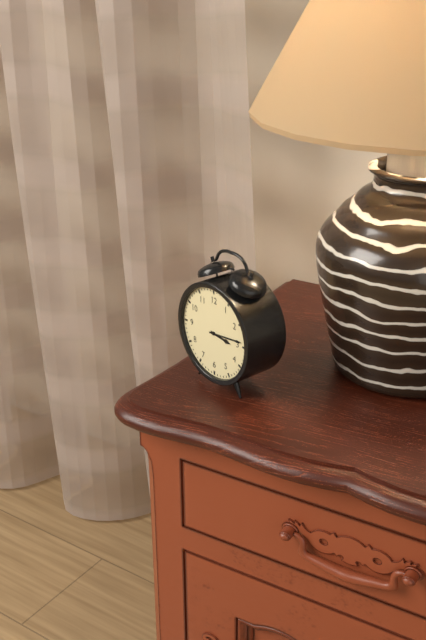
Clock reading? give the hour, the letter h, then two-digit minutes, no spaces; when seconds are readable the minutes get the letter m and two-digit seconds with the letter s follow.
3h14
